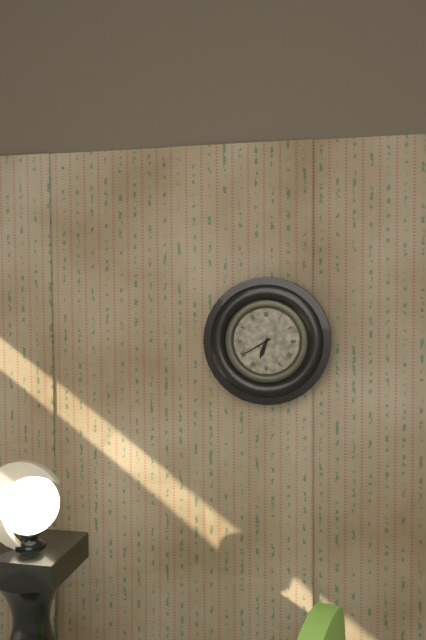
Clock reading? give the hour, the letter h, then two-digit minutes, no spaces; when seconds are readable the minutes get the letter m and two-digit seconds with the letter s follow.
6h40
